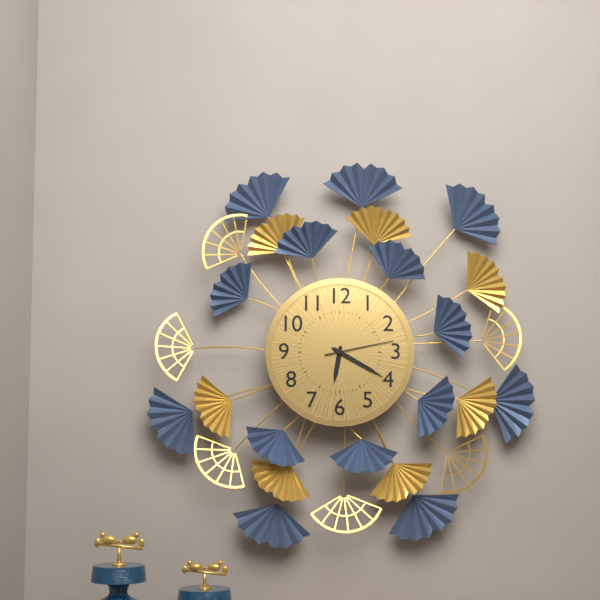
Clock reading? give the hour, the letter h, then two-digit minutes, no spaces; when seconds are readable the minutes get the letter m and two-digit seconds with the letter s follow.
6h20m13s
